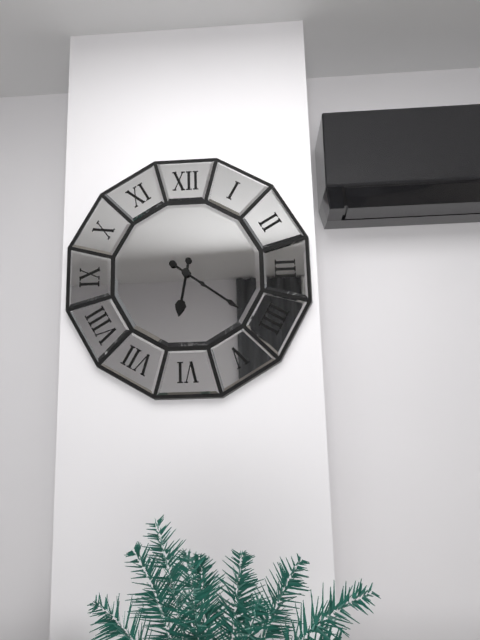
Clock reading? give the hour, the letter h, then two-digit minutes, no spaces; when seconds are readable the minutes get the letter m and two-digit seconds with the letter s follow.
6h21
